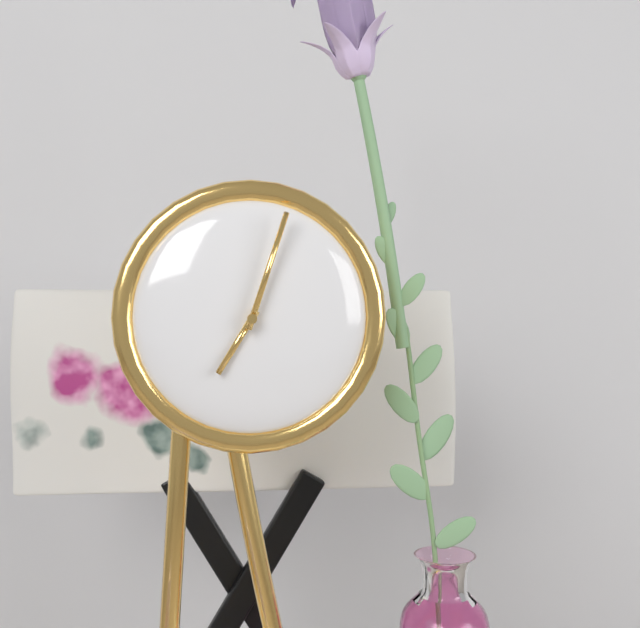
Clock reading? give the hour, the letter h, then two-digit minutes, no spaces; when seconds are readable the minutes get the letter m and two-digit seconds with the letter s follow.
7h03
